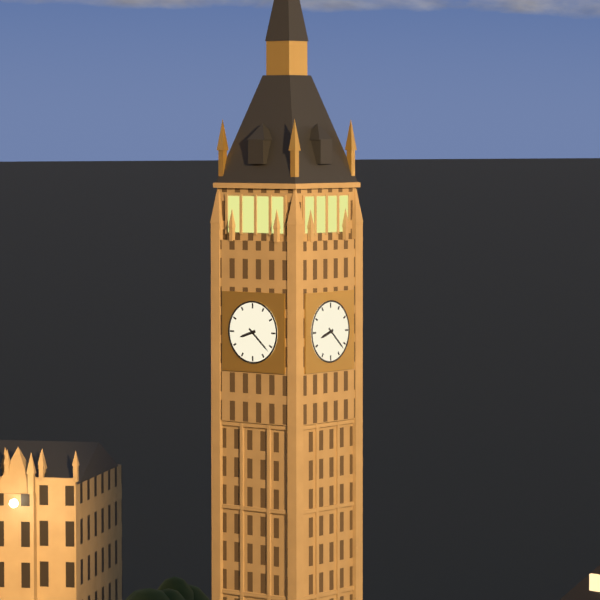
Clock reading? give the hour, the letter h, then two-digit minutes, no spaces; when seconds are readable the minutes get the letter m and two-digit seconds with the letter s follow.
8h22
